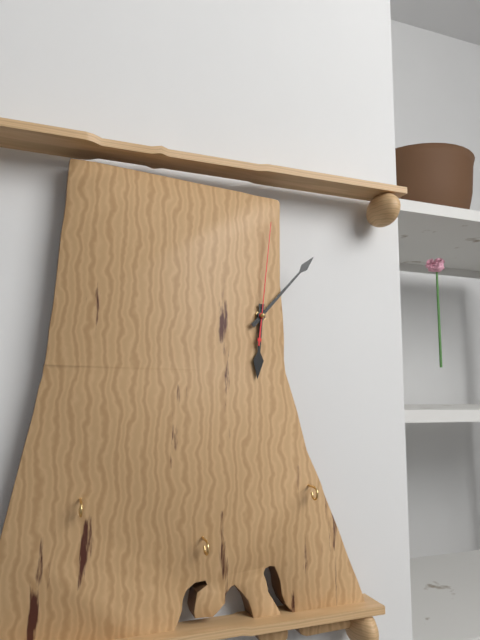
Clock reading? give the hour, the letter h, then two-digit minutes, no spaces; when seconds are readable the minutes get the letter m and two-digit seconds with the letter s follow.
6h07m01s
